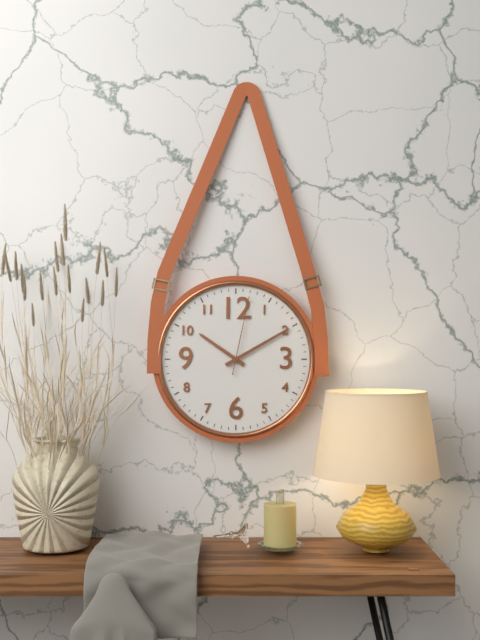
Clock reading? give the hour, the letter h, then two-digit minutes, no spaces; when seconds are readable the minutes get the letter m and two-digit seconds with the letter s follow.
10h10m02s
